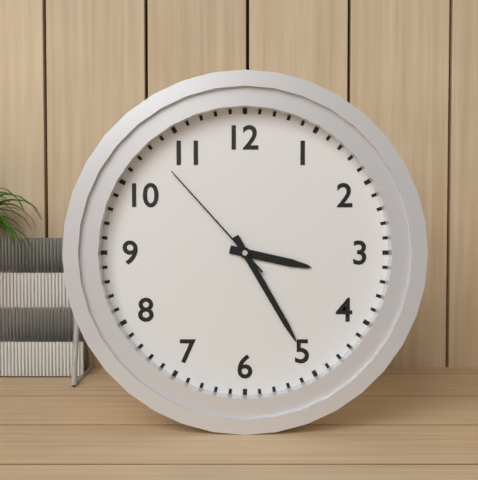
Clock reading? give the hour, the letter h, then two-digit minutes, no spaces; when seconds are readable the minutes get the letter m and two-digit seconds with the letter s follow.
3h25m53s
